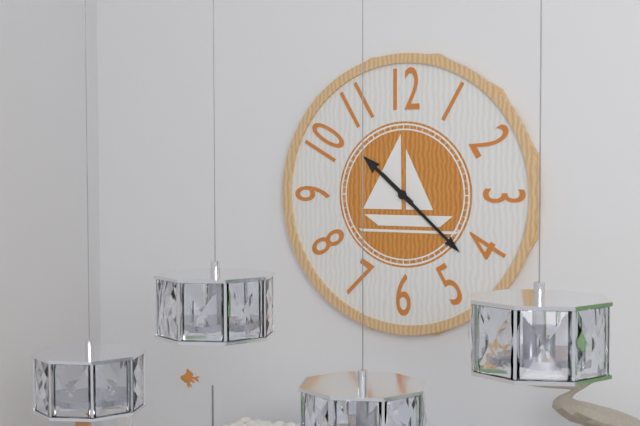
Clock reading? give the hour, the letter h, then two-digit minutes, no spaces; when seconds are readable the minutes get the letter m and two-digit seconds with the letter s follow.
10h22
